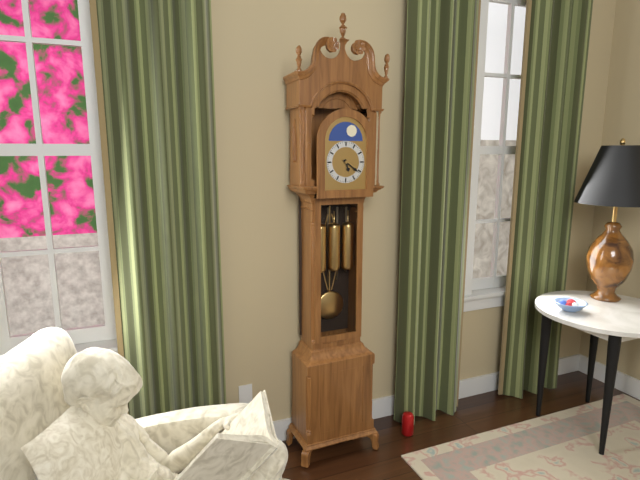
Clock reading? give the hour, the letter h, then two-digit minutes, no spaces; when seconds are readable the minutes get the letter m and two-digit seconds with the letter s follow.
5h21
